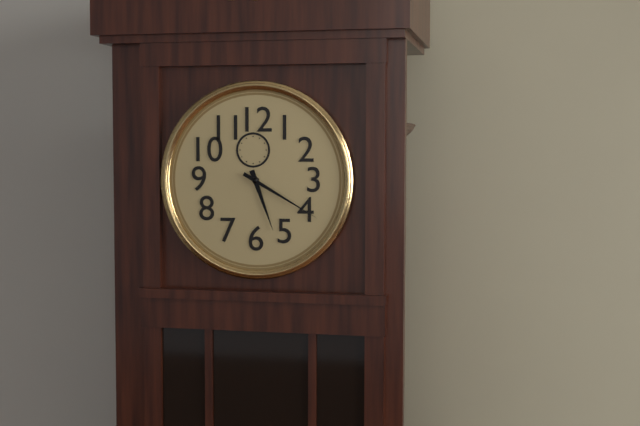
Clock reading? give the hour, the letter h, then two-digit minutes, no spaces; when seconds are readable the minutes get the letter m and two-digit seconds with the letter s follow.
5h20
